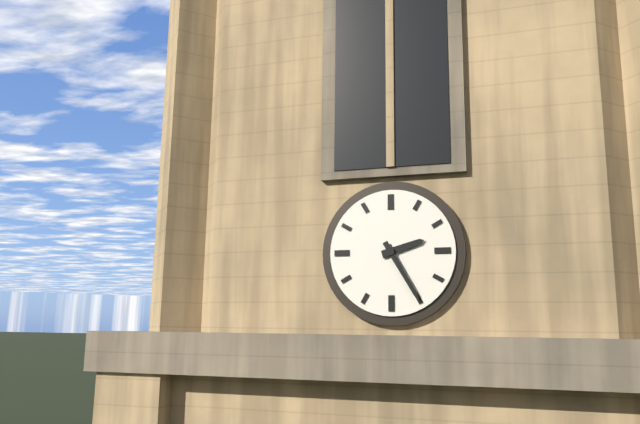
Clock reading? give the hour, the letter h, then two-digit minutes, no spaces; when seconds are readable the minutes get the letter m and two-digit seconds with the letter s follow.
2h25
